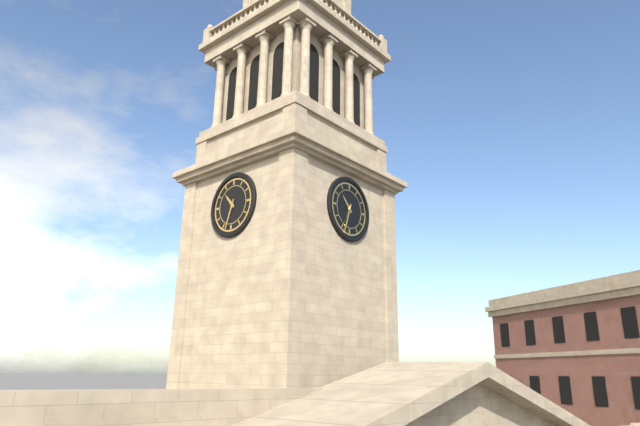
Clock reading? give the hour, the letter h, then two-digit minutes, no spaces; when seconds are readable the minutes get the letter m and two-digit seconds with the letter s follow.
10h33
